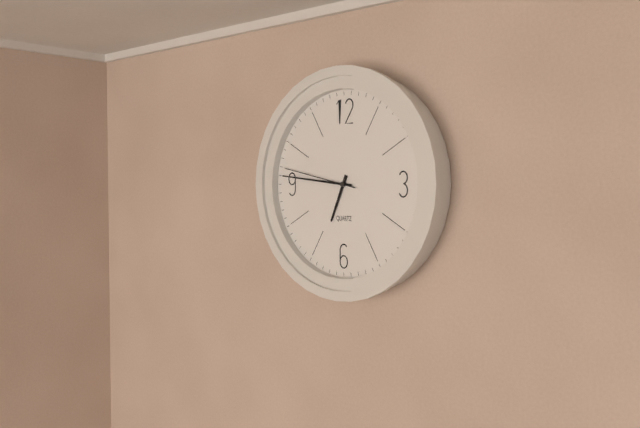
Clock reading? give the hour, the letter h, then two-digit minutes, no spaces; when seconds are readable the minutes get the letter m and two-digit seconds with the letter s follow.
6h46m47s
